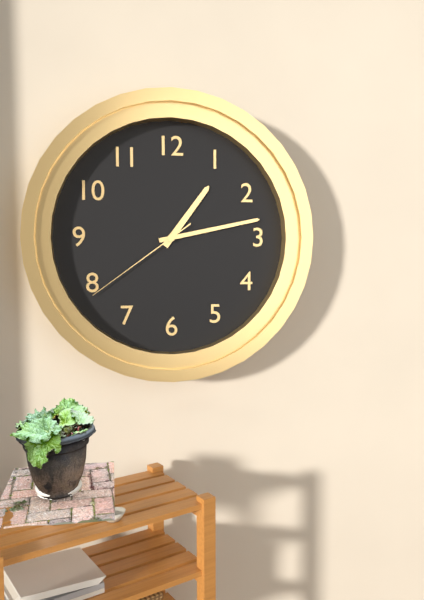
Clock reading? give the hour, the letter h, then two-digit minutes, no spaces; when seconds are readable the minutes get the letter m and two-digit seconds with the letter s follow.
1h13m39s
